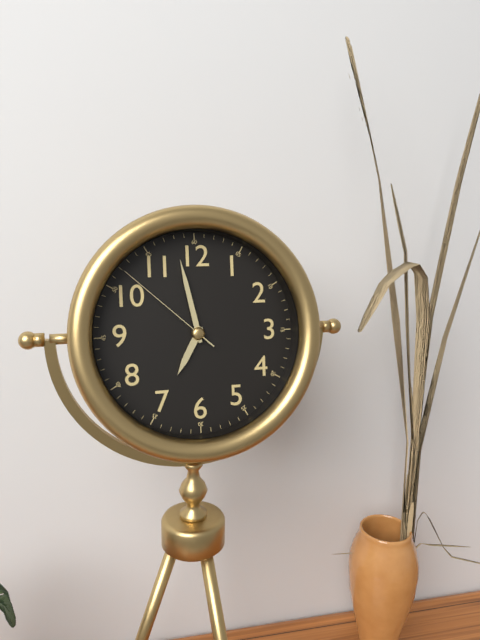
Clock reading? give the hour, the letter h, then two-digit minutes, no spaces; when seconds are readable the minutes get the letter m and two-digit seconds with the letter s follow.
6h58m52s
